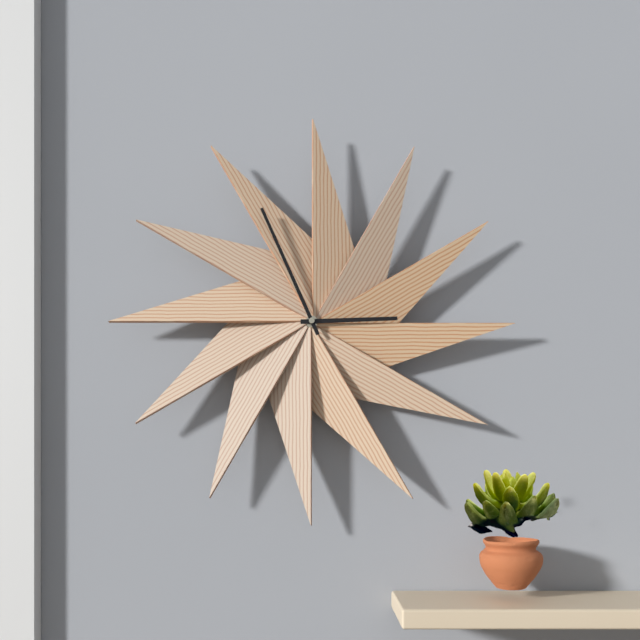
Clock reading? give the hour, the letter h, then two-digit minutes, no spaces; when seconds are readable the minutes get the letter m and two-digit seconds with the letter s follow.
2h56
